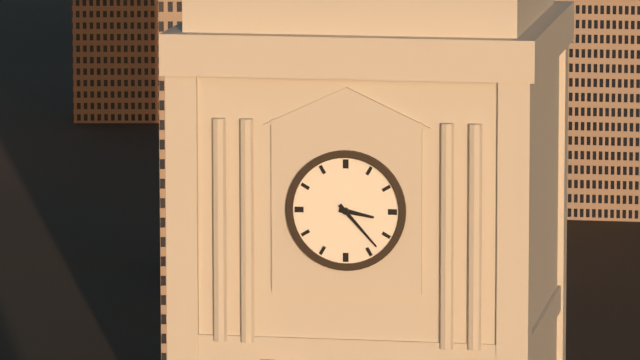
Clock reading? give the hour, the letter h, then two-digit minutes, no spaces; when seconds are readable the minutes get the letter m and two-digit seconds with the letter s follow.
3h23
